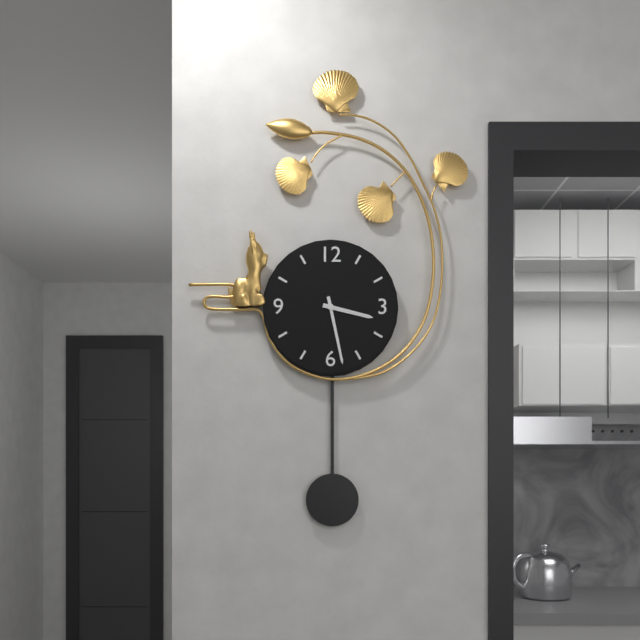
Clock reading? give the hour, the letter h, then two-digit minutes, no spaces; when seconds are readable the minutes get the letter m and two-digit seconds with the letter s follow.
3h28
